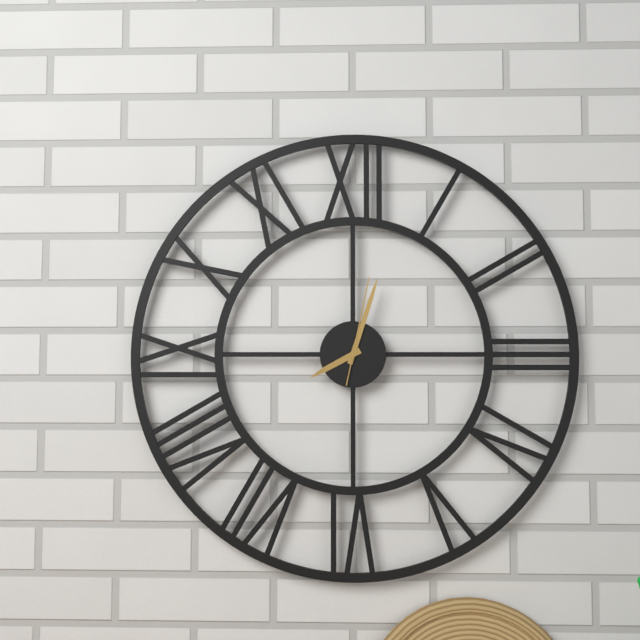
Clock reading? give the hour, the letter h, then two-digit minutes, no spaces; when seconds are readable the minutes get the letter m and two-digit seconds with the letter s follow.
8h03m02s
